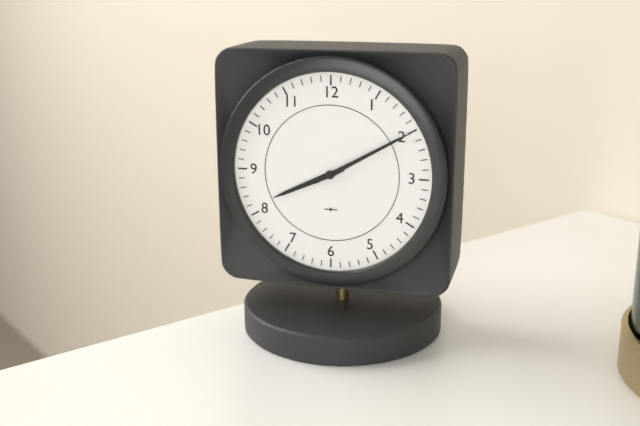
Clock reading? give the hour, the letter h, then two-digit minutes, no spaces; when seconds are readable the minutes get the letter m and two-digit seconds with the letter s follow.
8h10
